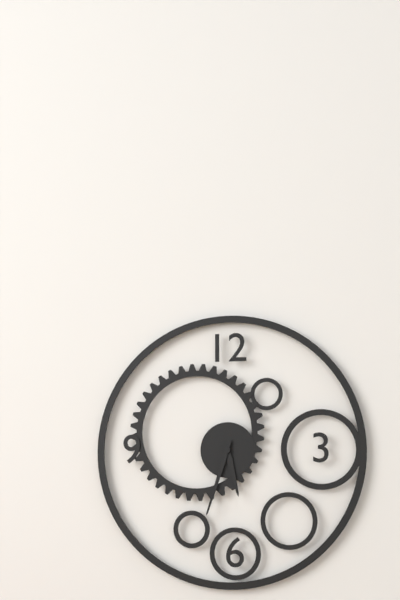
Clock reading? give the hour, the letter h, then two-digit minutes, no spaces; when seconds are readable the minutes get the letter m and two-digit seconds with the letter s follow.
5h33
